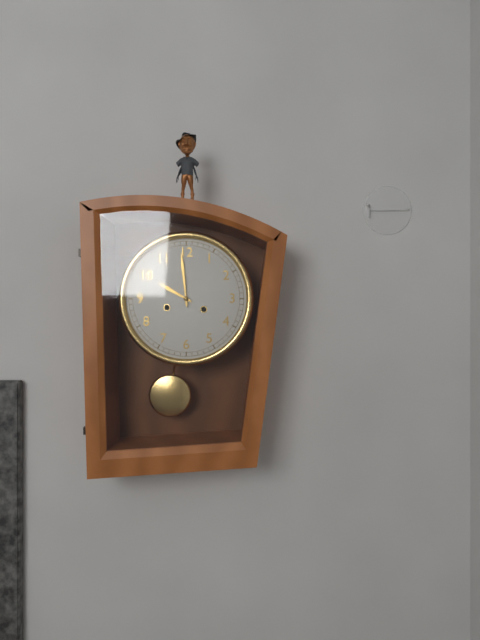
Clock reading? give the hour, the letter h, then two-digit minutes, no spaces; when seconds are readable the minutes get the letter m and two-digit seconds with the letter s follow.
9h59
